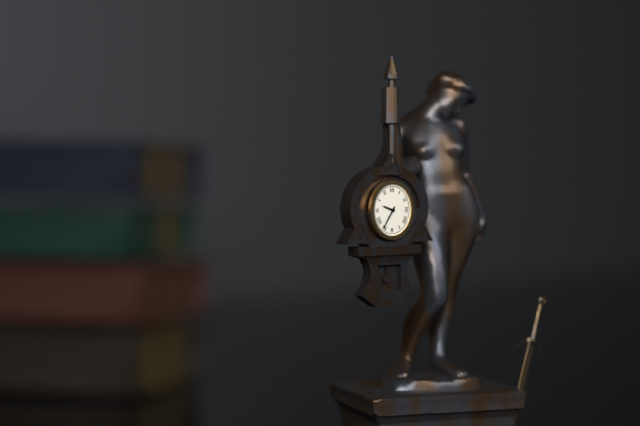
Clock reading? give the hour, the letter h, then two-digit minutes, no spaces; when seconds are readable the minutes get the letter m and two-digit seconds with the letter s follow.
9h36
